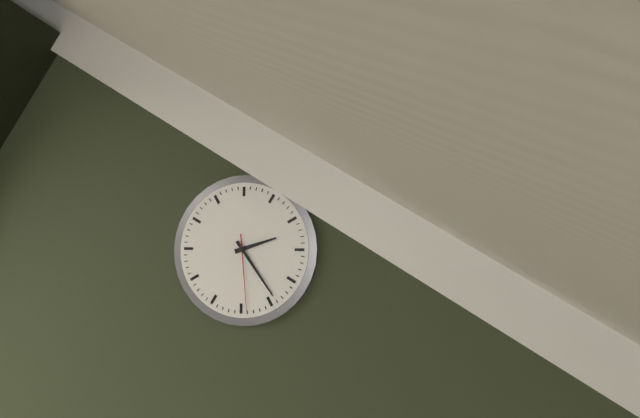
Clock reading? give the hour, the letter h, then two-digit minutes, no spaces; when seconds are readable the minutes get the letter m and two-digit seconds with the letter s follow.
2h24m29s
